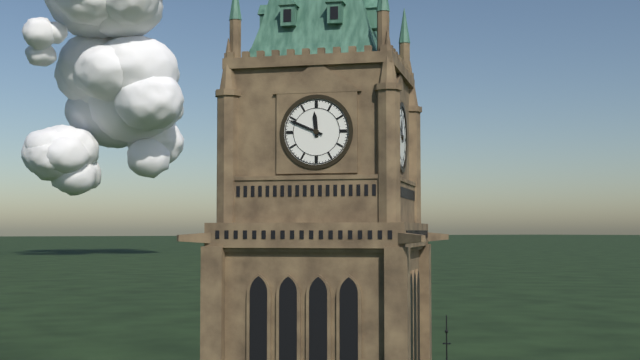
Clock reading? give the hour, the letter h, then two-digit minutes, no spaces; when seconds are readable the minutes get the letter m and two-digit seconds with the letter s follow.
11h49
